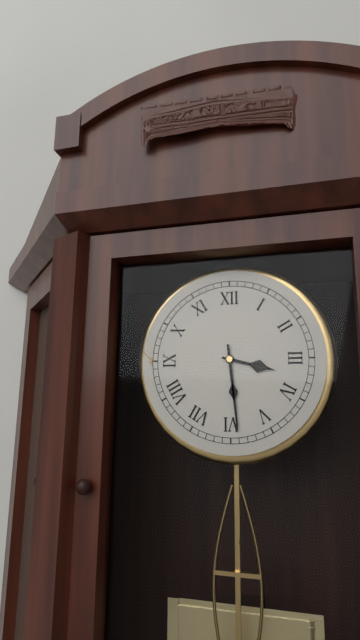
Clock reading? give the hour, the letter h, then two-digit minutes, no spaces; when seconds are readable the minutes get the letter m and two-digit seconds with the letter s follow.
3h29
